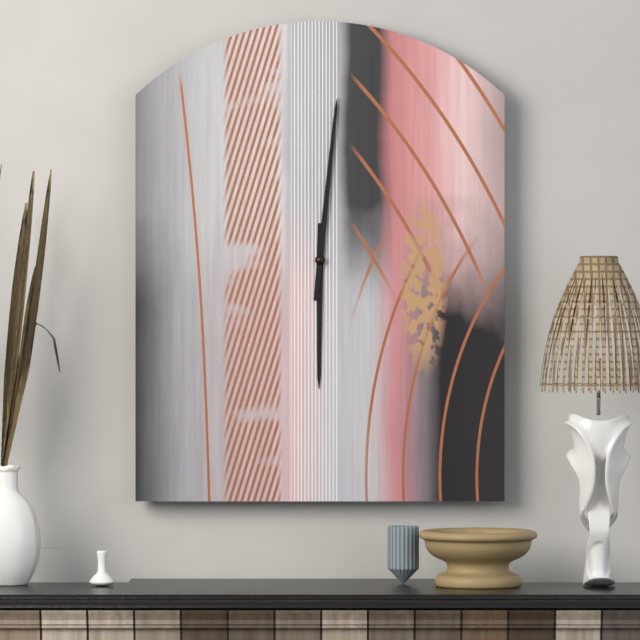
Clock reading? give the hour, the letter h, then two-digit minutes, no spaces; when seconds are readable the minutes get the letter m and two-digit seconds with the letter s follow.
6h01
